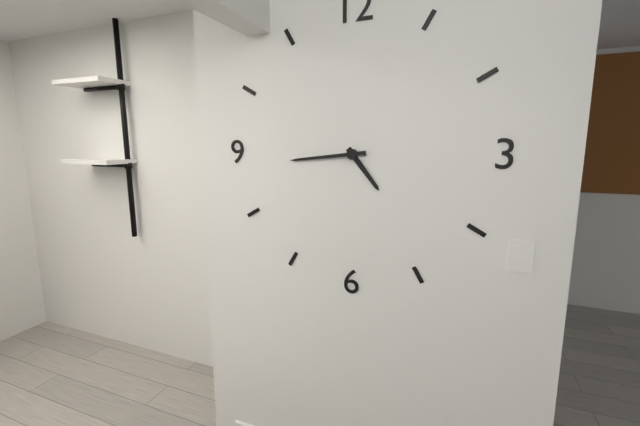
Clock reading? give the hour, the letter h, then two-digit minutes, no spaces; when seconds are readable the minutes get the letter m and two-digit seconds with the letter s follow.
4h44
